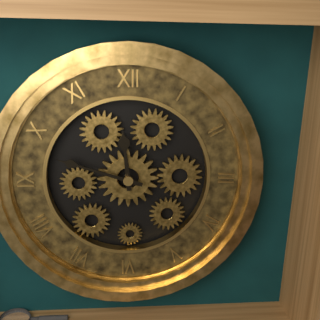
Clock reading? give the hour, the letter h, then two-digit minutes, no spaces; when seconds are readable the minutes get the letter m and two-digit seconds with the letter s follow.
11h48
